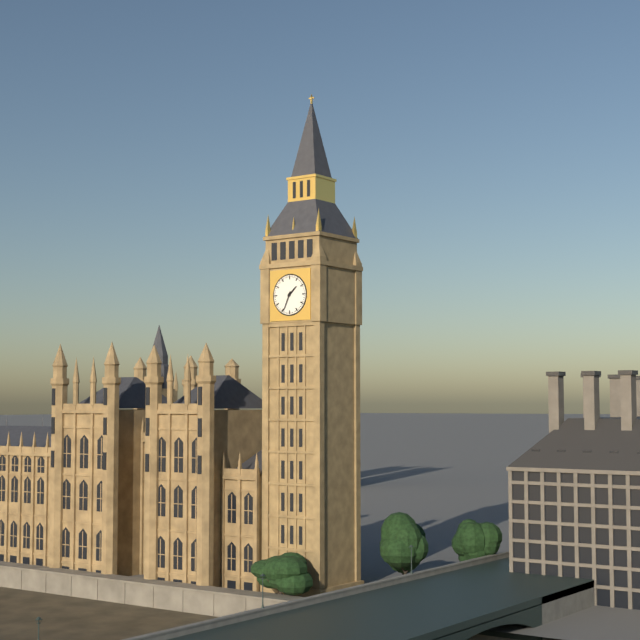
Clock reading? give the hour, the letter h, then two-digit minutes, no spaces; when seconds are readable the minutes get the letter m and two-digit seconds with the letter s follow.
1h34
